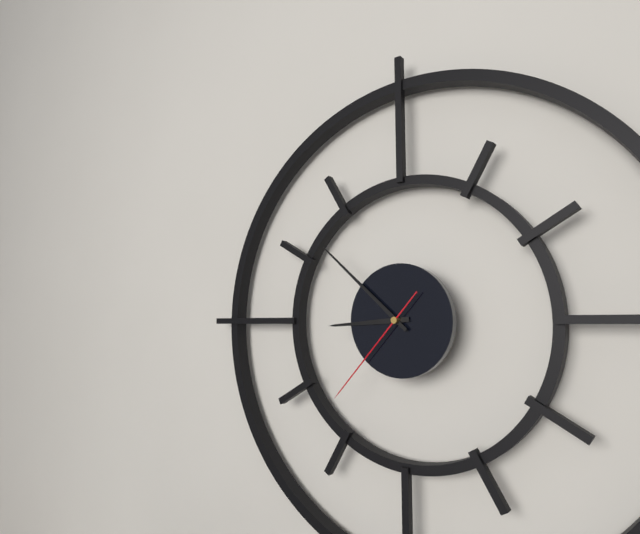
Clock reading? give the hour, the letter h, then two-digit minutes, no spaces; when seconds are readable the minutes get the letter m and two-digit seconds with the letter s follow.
8h52m37s
